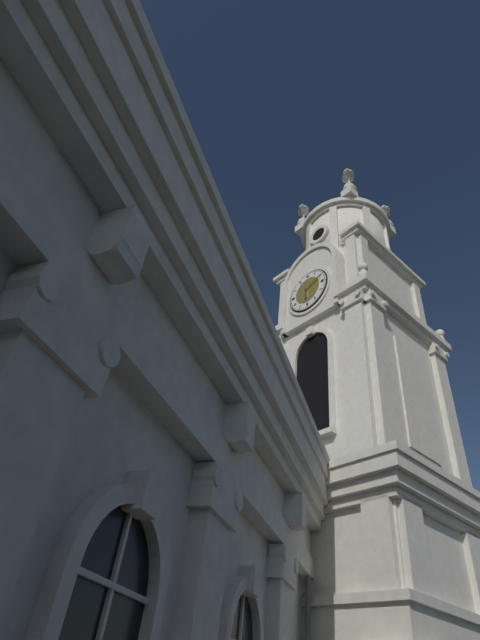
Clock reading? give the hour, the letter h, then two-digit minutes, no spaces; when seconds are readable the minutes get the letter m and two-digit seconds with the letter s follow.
6h11
